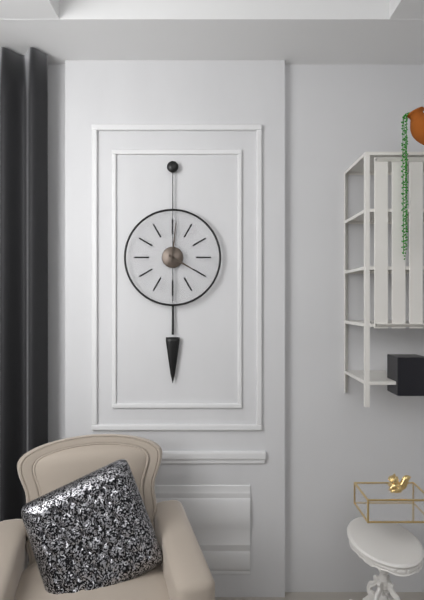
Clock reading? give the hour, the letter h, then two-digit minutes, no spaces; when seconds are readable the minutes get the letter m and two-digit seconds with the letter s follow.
4h01
